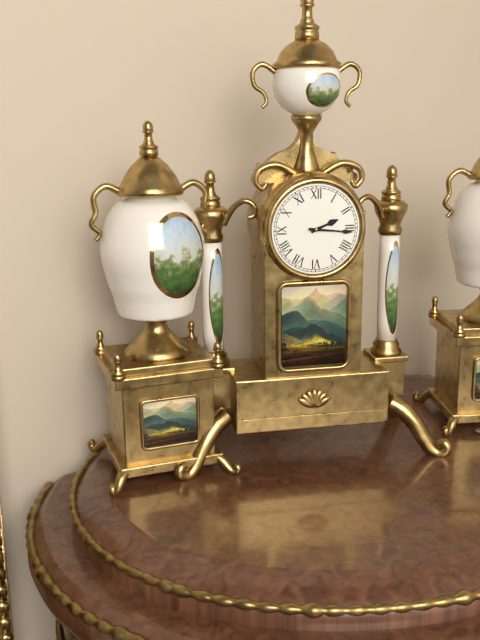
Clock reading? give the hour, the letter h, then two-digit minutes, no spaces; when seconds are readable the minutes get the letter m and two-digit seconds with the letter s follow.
2h16
